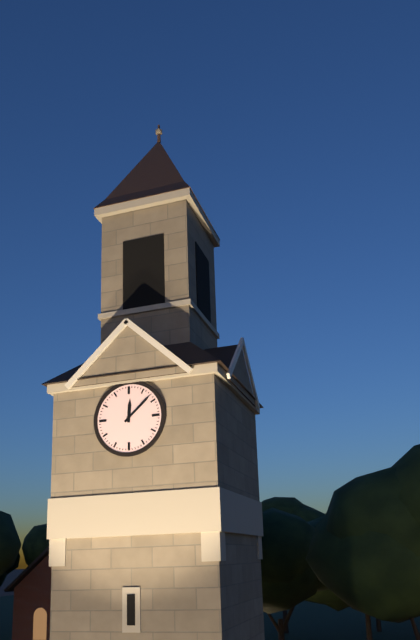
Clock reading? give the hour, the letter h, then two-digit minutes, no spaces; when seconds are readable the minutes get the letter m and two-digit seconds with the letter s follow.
12h08
